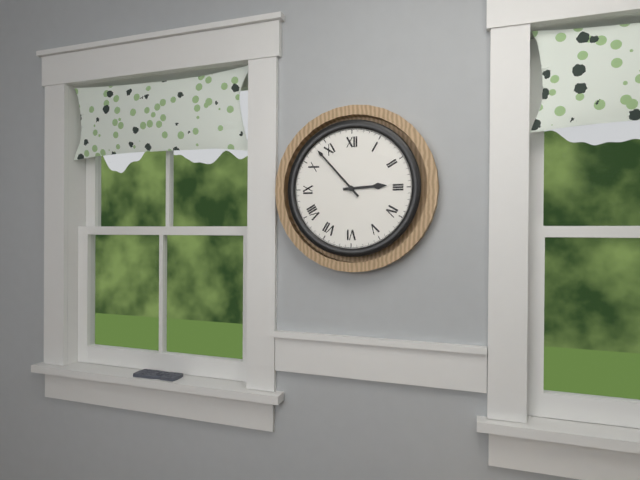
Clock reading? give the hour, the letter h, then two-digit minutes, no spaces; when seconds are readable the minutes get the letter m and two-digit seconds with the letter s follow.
2h53
